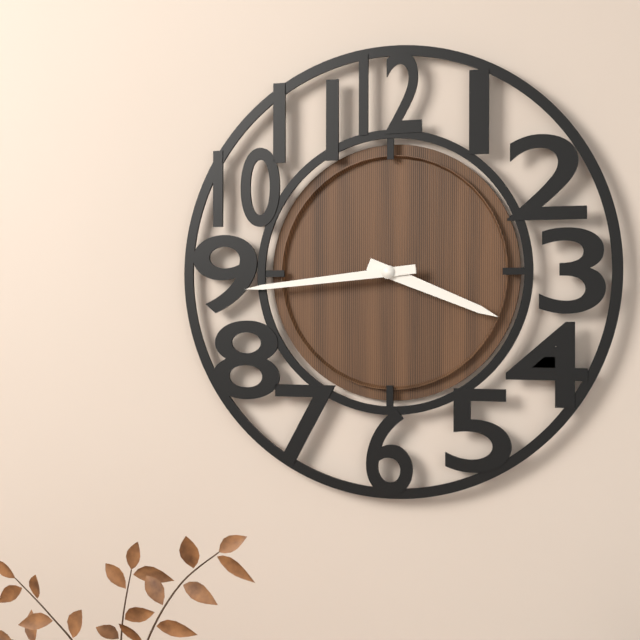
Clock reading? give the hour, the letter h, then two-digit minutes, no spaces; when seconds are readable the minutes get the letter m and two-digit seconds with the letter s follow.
3h44
